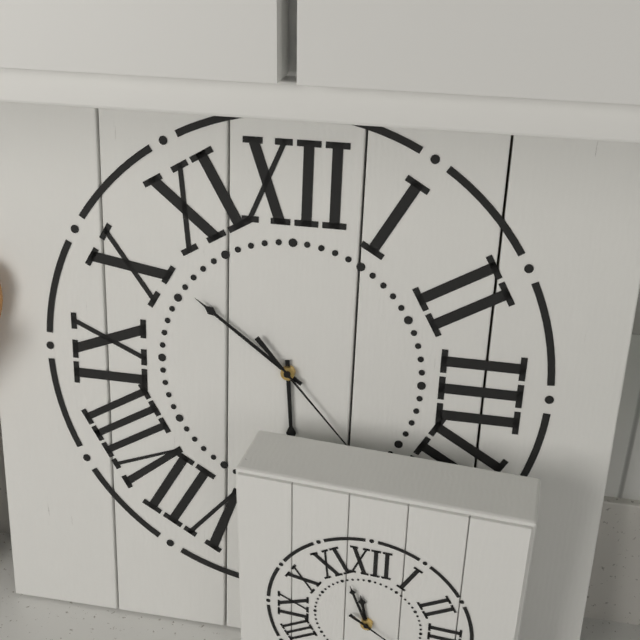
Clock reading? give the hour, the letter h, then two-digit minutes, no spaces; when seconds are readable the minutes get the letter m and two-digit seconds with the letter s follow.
5h51m23s
